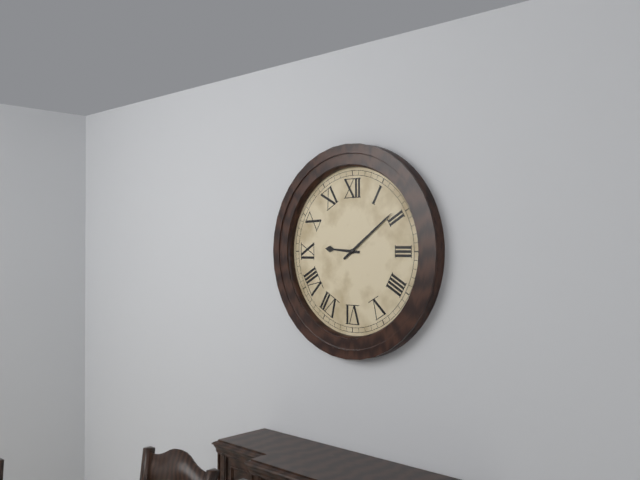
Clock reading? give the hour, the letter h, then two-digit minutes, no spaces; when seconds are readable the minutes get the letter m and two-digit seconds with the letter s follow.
9h09
